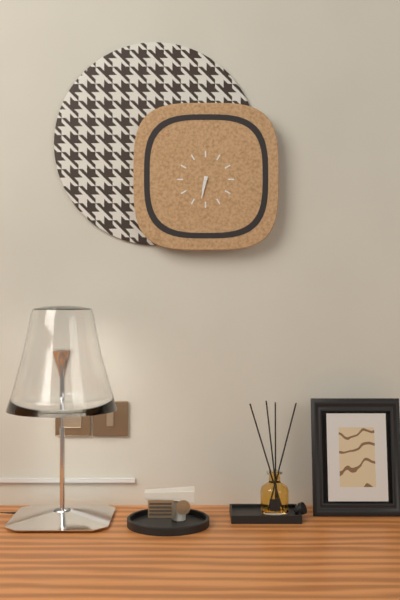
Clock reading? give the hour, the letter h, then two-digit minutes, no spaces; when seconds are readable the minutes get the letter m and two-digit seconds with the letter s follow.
6h32
